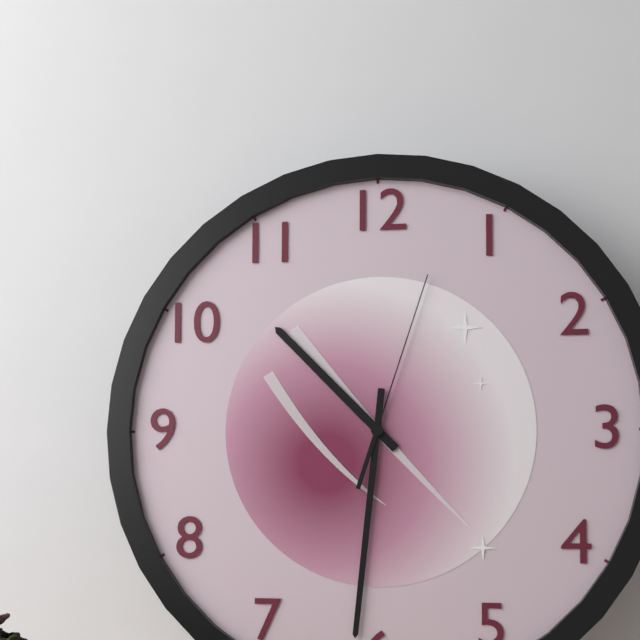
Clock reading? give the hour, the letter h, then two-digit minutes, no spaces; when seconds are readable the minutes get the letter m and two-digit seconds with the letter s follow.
10h31m03s
